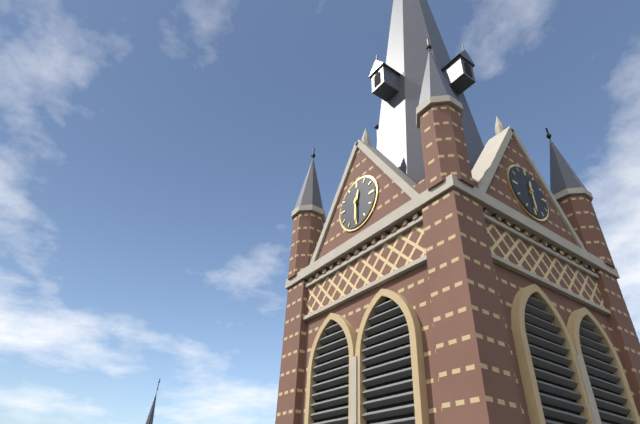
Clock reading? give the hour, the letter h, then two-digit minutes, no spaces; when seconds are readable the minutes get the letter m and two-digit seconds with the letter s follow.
12h30
